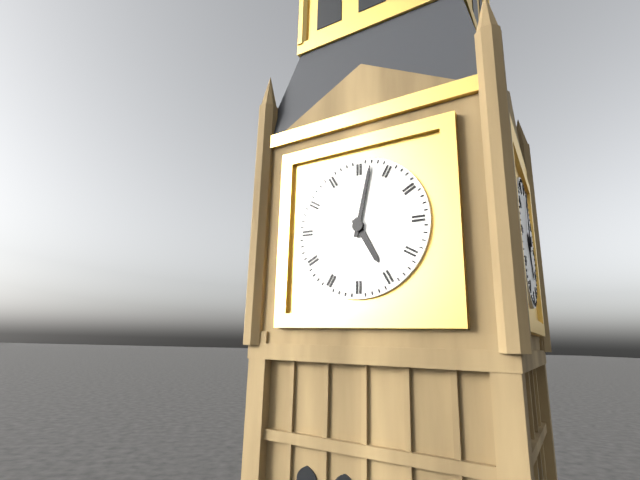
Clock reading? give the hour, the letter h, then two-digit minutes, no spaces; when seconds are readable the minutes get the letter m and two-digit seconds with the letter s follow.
5h02
